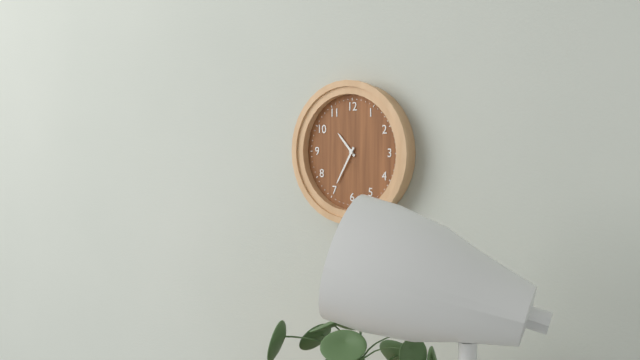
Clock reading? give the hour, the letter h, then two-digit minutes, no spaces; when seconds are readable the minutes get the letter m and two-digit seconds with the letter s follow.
10h35
